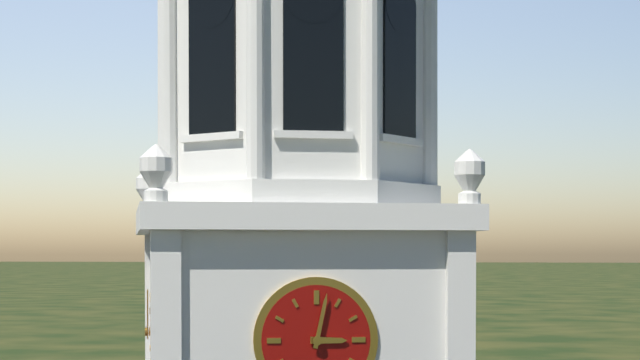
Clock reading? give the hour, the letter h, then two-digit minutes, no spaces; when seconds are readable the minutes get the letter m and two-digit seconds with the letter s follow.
3h02
